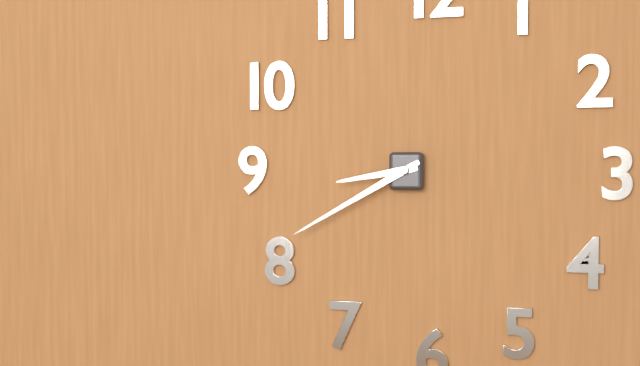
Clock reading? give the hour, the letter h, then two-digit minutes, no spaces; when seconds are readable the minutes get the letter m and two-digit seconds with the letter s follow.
8h40
